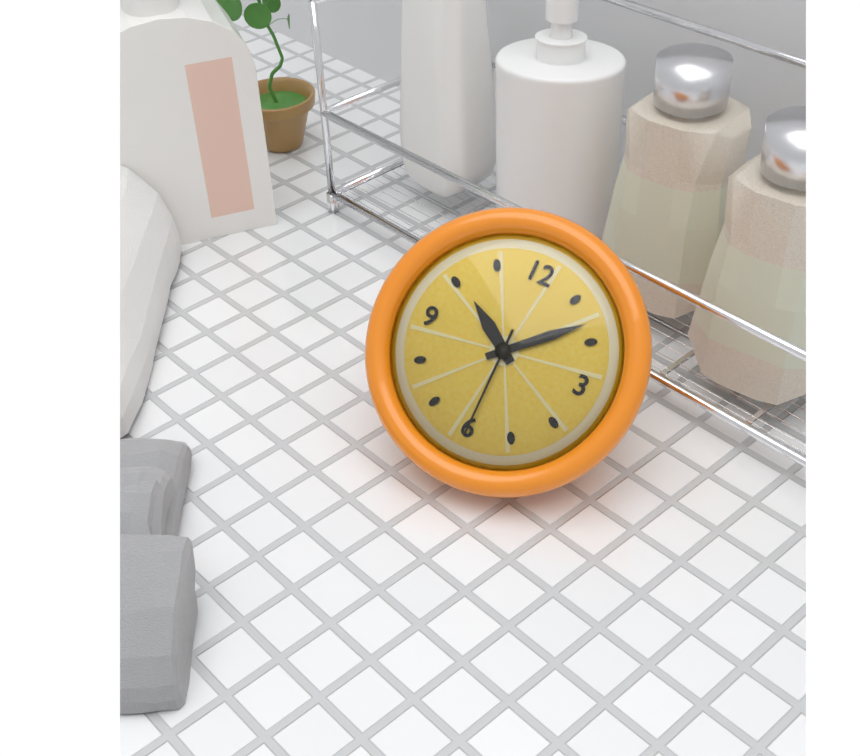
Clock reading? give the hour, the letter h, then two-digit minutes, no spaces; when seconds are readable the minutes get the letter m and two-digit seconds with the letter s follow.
10h08m30s
